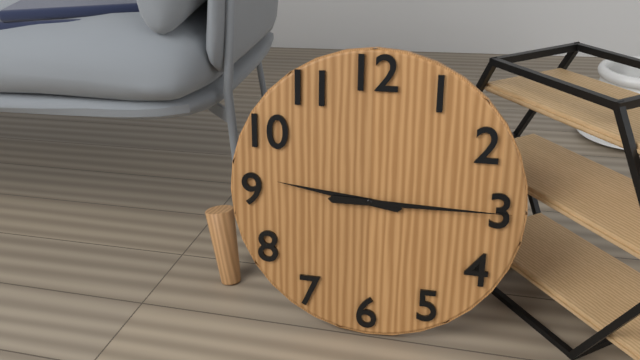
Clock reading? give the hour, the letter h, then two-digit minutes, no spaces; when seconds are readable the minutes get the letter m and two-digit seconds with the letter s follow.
9h15
